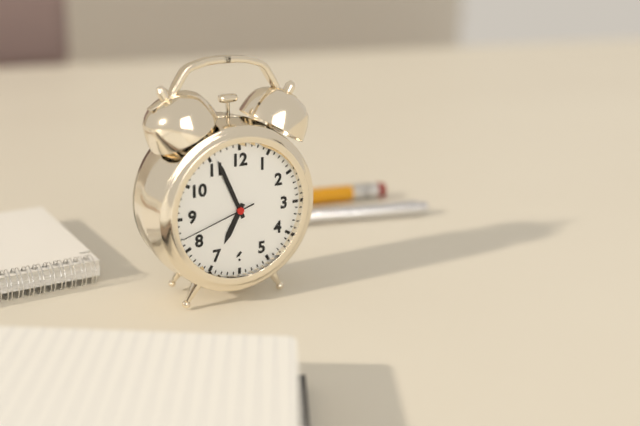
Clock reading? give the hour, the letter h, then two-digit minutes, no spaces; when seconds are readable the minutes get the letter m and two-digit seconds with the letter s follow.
6h56m42s
